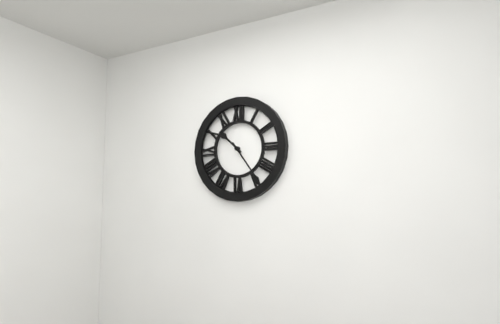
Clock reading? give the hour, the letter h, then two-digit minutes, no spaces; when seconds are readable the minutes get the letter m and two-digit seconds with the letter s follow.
10h24
